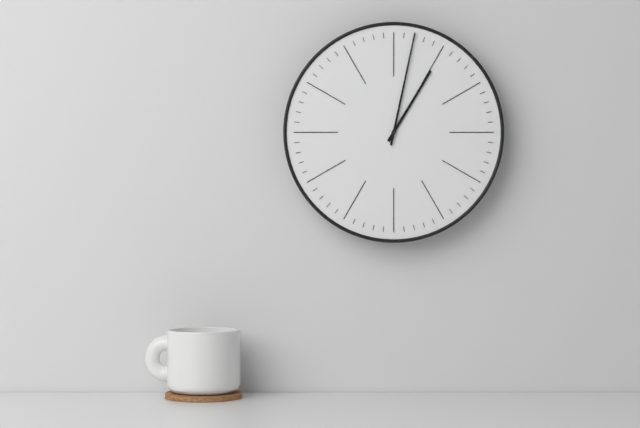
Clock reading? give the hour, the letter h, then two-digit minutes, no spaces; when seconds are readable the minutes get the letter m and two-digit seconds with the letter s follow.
1h02
